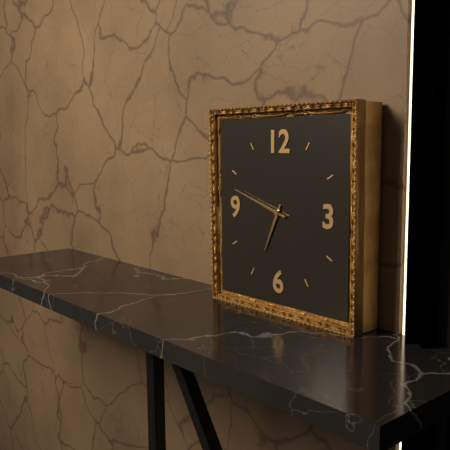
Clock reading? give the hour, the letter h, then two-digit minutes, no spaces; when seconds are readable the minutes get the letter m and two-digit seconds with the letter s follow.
6h48
